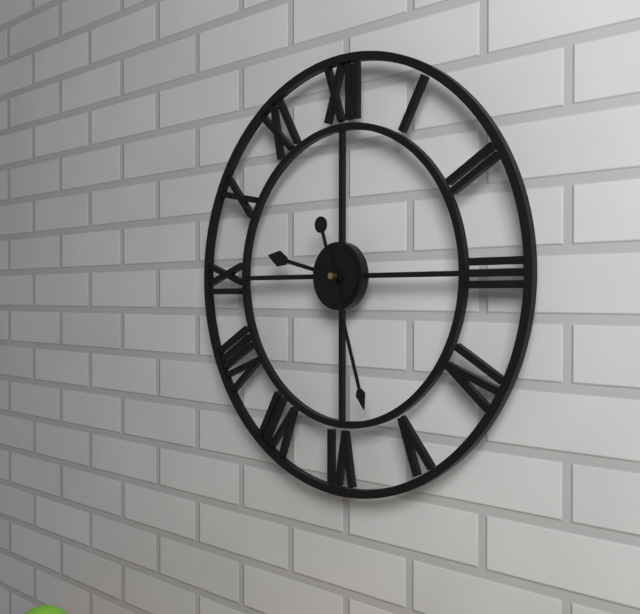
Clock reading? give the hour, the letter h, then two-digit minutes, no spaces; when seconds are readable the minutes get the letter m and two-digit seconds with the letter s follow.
9h27
